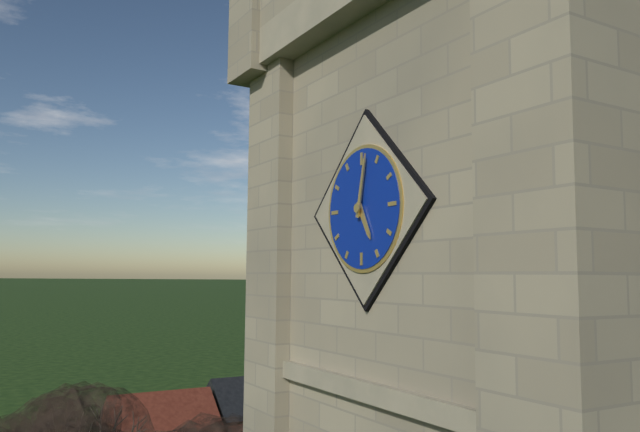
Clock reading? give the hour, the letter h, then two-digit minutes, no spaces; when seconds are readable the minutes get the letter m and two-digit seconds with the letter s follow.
5h02
